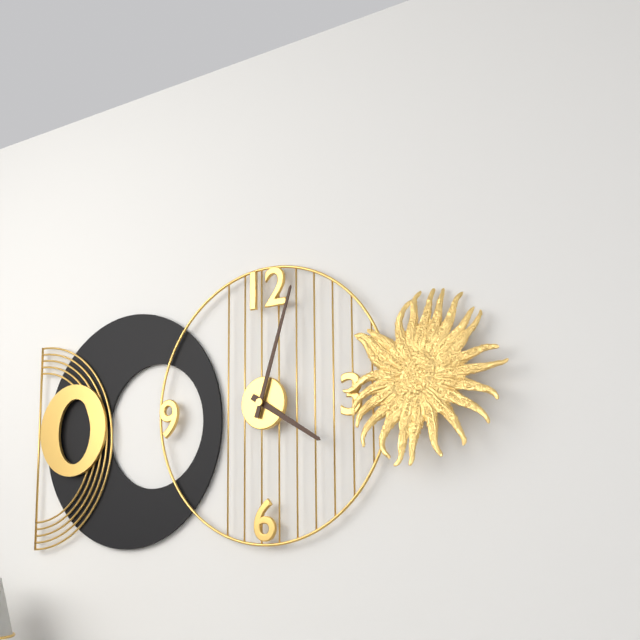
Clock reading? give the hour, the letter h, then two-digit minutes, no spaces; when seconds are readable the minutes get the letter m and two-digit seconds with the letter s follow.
4h03
